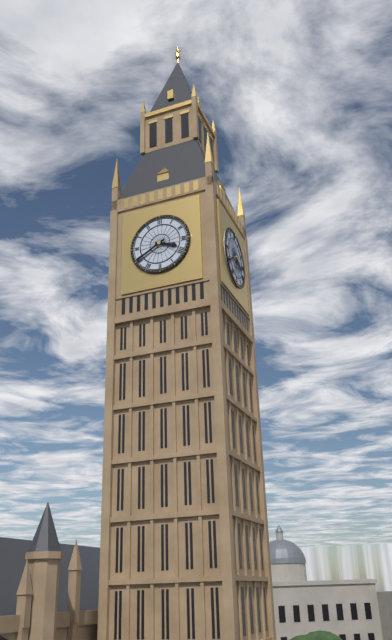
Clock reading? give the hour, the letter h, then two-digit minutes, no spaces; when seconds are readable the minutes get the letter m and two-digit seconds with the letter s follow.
3h40
